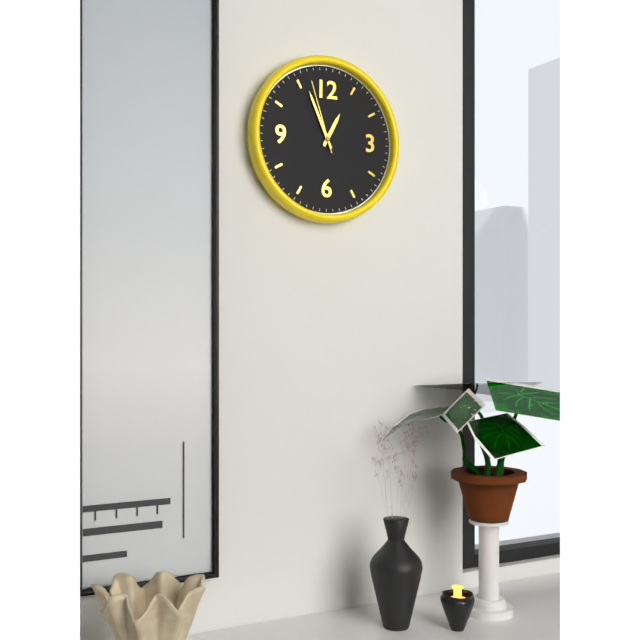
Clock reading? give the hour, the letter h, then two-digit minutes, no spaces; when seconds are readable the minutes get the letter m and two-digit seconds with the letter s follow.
12h56m57s
